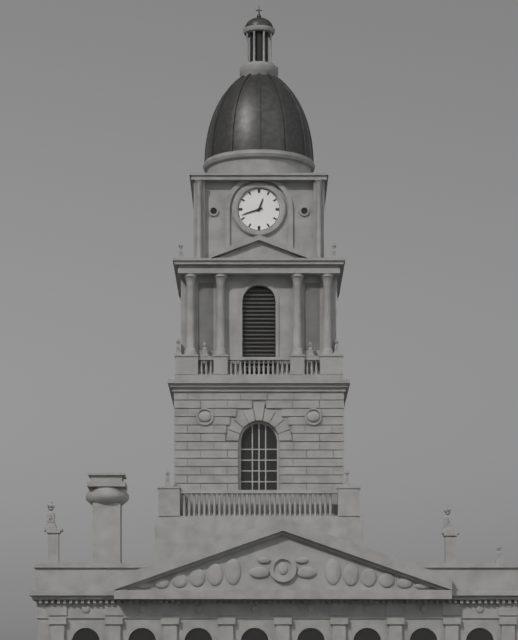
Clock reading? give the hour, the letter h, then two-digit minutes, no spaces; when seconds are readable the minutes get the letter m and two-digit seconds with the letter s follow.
12h42
